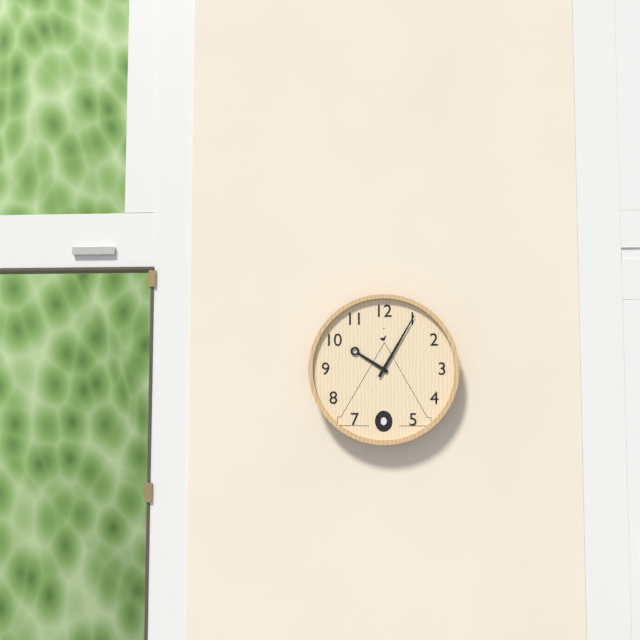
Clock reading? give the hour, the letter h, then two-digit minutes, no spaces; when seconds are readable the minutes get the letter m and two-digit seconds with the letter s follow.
10h05
